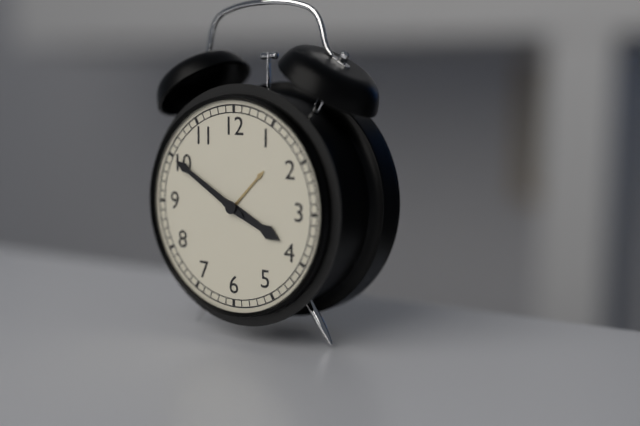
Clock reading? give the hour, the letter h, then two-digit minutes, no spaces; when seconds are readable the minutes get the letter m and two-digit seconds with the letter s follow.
3h50
